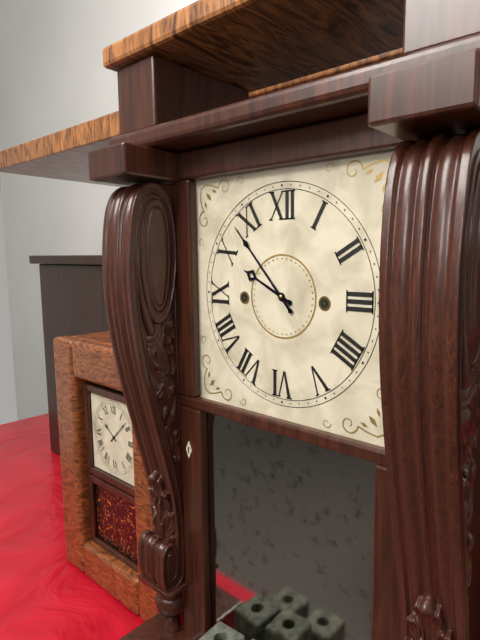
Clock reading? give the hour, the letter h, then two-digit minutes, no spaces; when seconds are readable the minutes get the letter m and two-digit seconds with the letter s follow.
9h53
